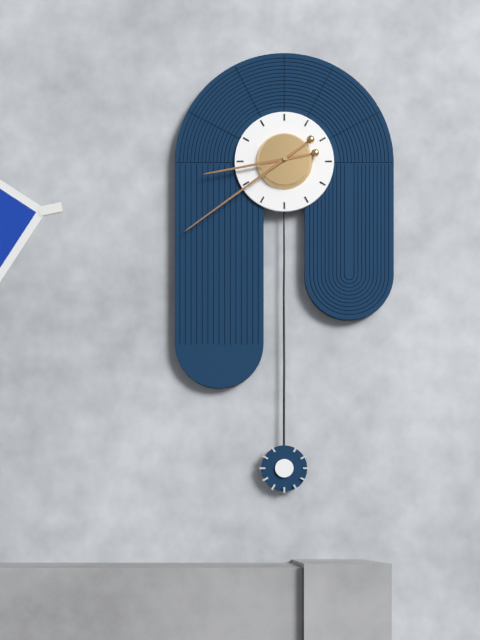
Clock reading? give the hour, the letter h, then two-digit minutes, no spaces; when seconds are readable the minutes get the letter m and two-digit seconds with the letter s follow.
8h39
